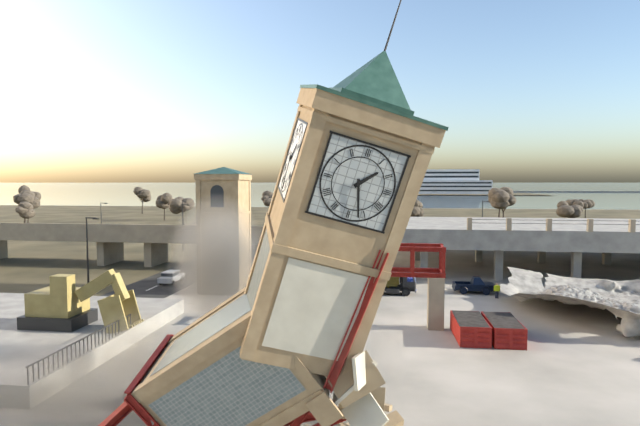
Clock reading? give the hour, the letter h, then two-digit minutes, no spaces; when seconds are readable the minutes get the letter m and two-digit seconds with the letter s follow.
1h27
